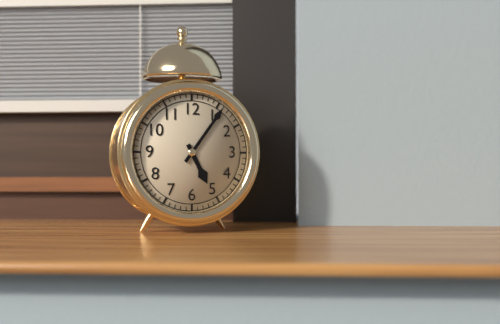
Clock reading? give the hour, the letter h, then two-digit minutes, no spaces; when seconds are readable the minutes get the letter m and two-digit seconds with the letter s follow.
5h06
